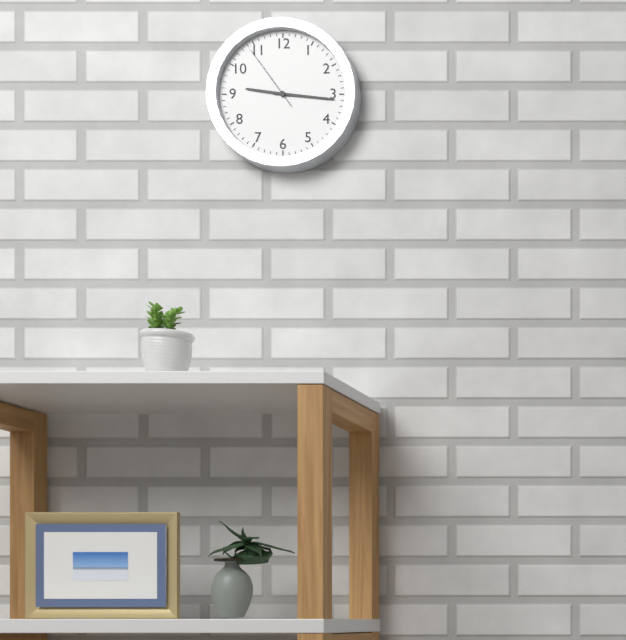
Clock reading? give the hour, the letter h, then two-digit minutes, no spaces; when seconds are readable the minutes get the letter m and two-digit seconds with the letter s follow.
9h16m54s
